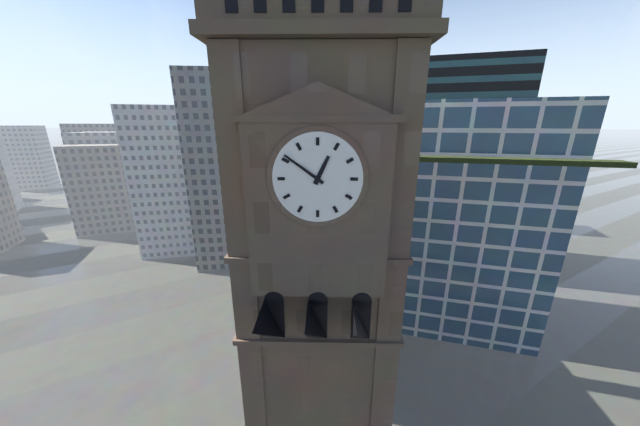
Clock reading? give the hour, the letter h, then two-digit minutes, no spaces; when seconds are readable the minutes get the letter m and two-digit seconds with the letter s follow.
12h51
